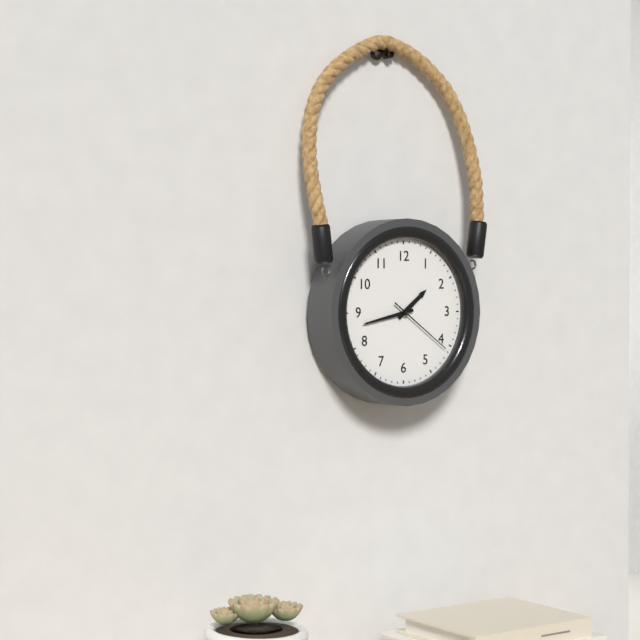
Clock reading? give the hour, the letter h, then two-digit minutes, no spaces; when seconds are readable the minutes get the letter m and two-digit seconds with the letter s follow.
1h43m21s
